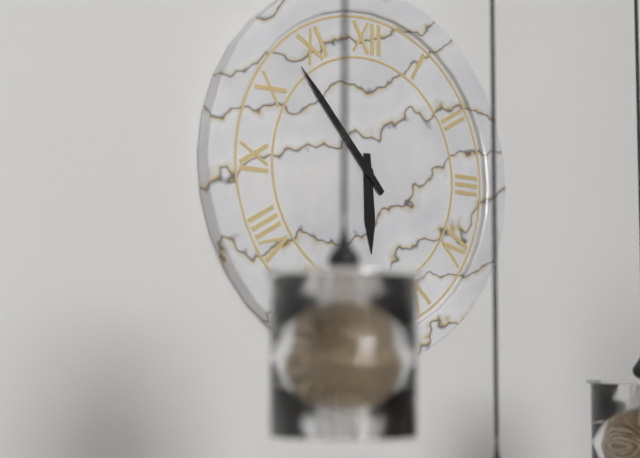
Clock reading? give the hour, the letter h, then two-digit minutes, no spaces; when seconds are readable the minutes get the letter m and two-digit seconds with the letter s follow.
5h53
